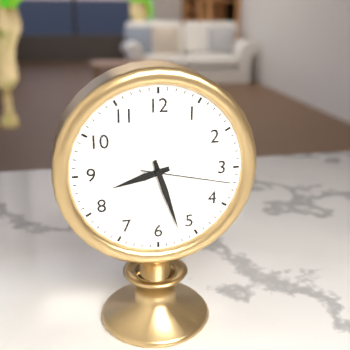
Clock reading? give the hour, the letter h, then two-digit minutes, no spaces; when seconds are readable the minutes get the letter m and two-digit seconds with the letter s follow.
8h27m17s
